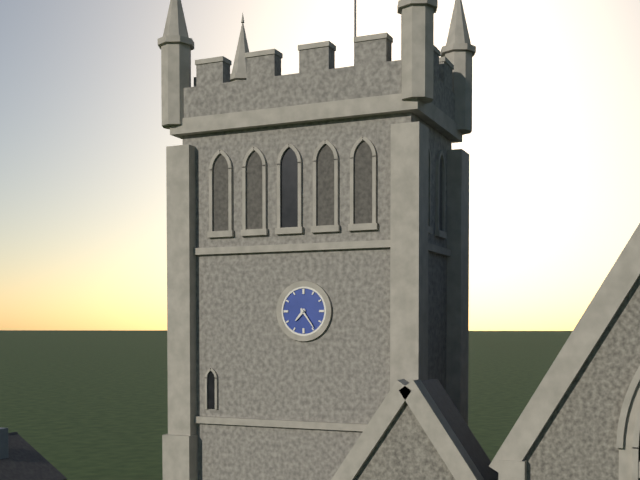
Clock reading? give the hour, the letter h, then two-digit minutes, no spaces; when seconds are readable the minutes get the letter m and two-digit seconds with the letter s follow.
7h24
